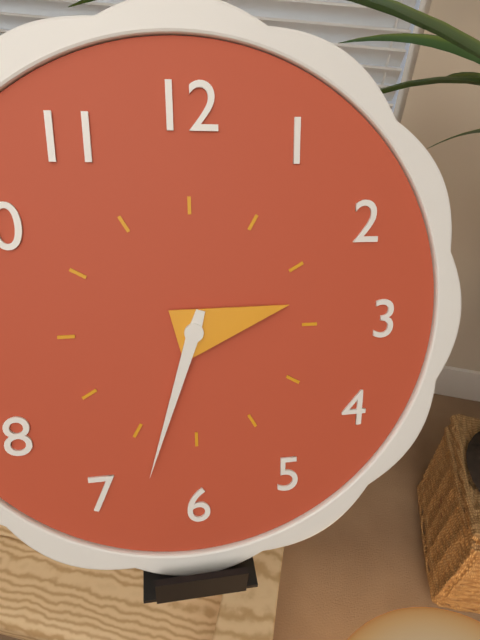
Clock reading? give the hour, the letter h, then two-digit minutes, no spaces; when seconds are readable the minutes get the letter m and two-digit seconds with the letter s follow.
2h33
